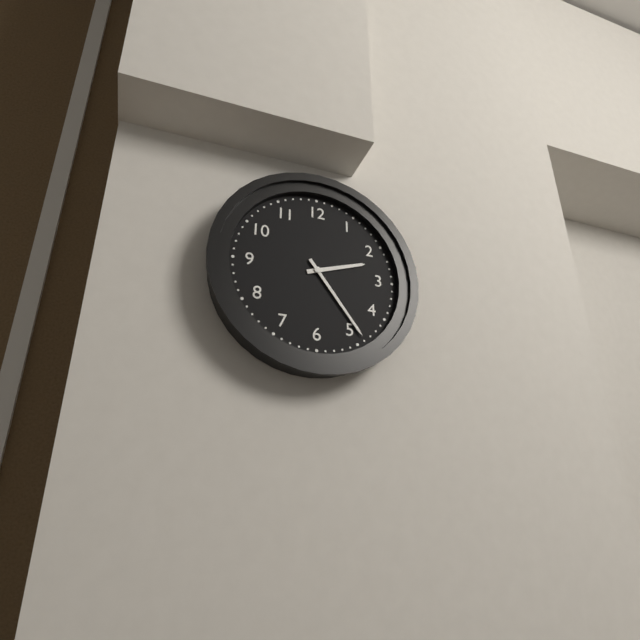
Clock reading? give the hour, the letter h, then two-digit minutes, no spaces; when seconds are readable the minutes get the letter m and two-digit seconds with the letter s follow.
2h24
